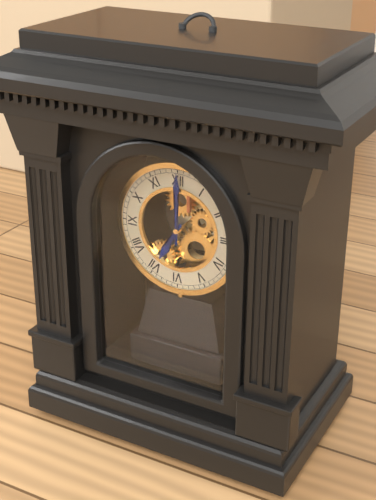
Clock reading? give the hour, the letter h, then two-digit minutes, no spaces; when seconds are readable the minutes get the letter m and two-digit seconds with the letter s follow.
7h00
